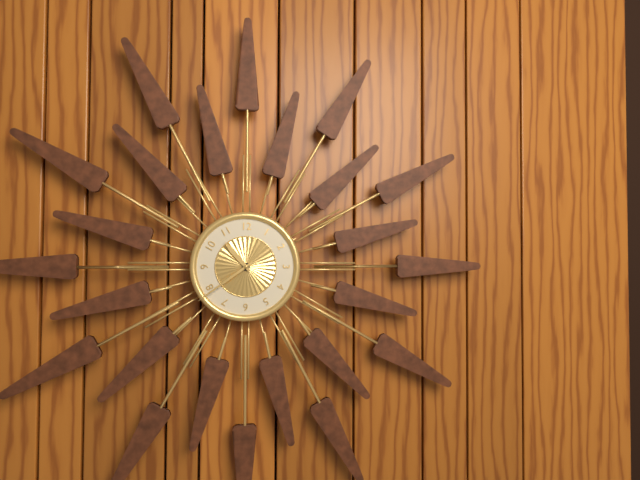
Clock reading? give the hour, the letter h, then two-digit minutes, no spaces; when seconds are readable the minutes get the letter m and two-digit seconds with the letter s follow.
10h39
